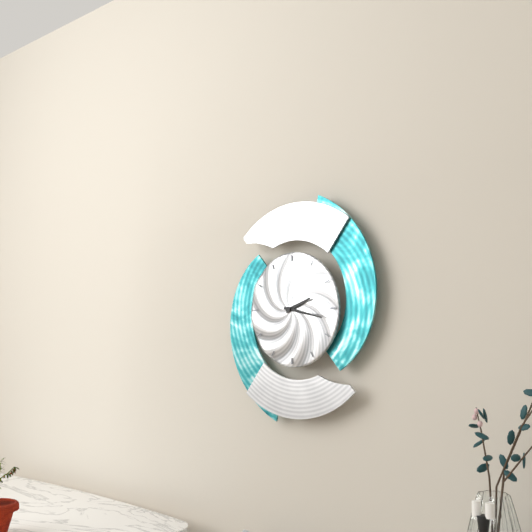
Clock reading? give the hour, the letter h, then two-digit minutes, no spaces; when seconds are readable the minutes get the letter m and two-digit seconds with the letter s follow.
2h17
